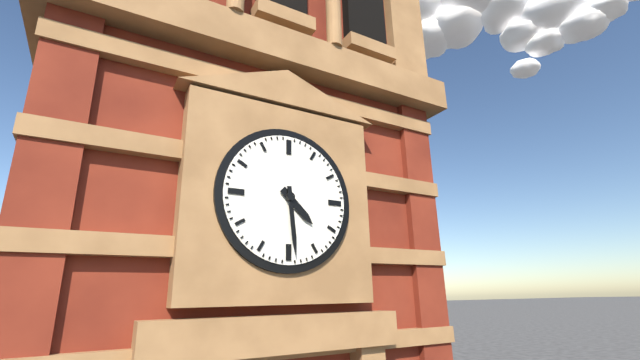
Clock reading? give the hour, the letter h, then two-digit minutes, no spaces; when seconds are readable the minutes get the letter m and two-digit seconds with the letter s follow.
4h29
